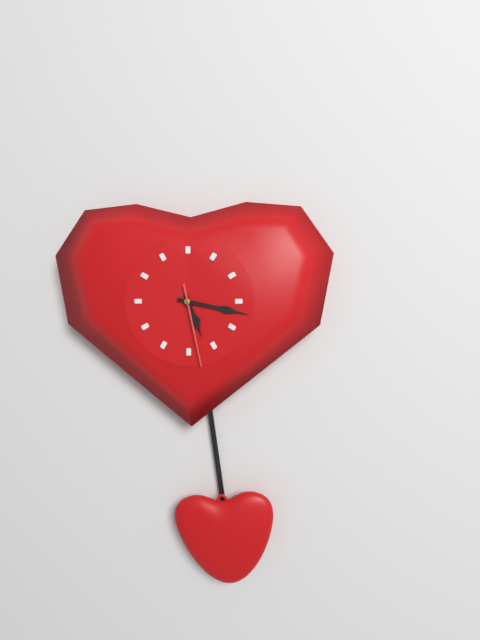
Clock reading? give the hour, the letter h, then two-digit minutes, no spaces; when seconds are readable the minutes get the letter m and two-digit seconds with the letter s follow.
5h17m28s
